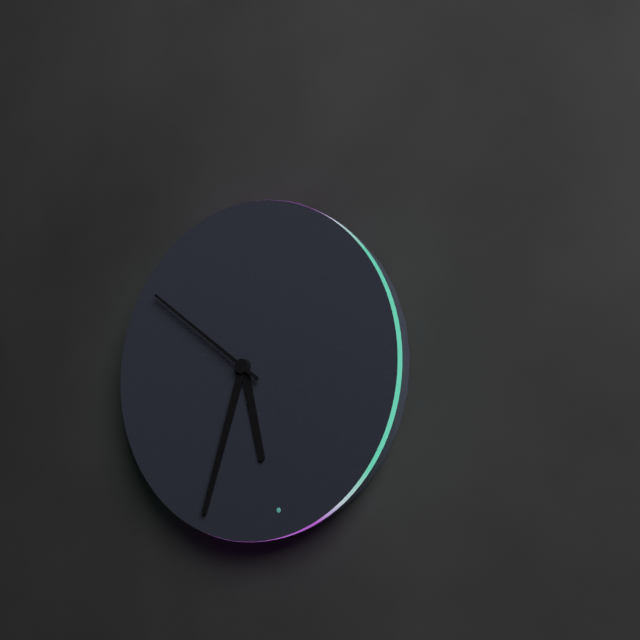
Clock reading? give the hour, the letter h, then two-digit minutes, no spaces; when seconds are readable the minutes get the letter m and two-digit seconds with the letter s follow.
5h33m51s
